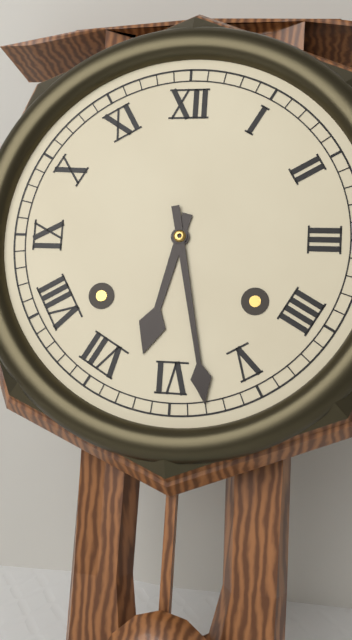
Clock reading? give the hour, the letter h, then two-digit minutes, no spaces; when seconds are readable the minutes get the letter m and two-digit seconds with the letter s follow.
6h28
